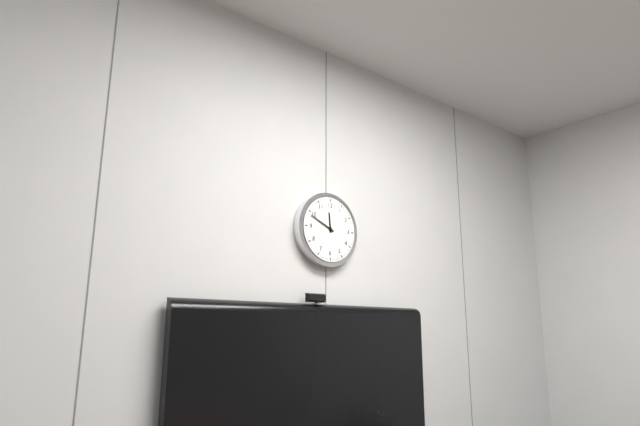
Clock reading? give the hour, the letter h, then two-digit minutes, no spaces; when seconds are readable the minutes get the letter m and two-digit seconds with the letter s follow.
11h49
